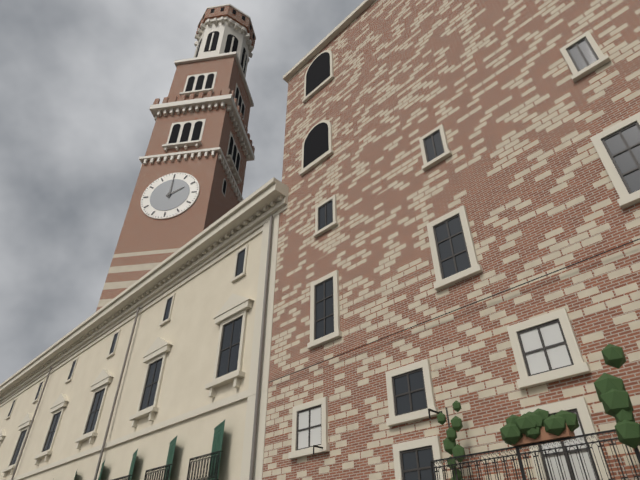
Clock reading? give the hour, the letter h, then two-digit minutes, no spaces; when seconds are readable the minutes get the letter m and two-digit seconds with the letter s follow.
2h00
